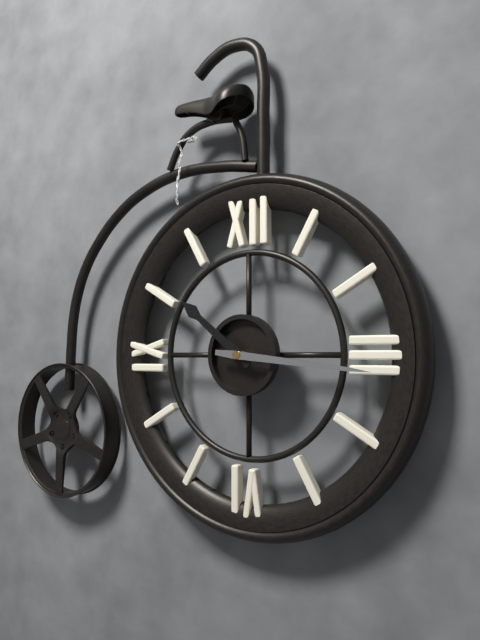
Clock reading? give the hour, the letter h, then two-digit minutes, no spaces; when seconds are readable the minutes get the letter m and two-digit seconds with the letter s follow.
10h16
